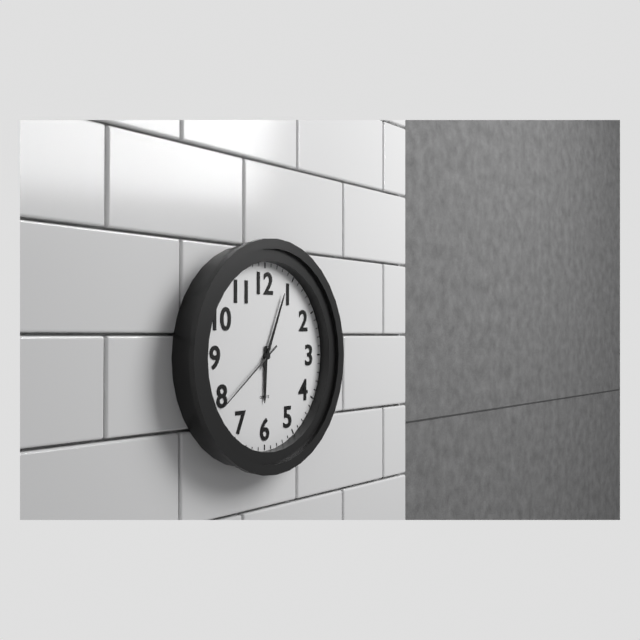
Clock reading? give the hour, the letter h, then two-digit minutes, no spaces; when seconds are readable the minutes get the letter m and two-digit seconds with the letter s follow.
6h04m39s
